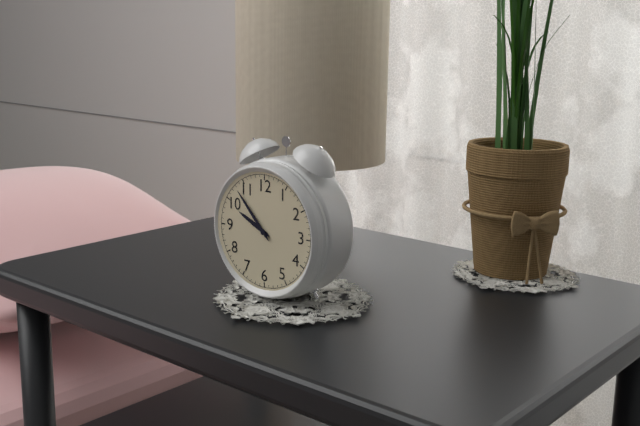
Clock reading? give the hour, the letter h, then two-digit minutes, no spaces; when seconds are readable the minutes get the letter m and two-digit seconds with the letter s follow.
9h53
